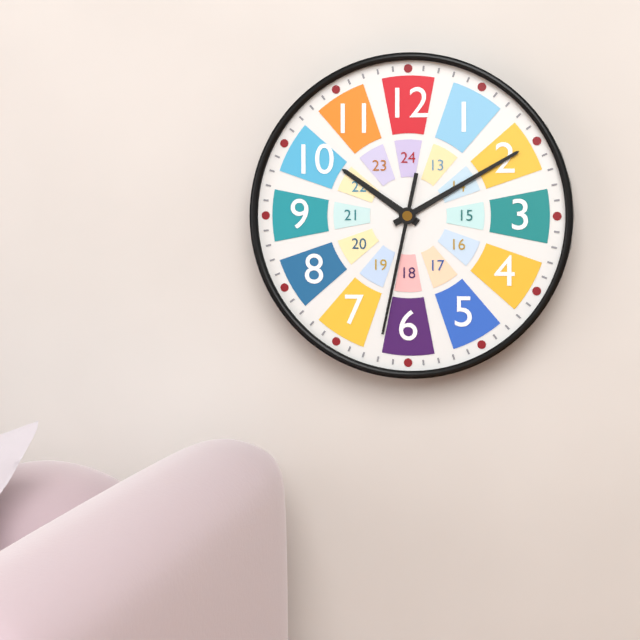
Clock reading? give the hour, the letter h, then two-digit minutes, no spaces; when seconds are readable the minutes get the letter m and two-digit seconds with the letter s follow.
10h10m32s
